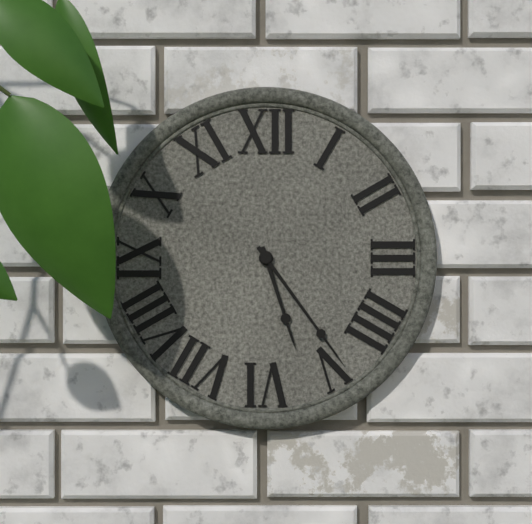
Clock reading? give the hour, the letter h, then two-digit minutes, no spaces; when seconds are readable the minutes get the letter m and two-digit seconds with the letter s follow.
5h24
